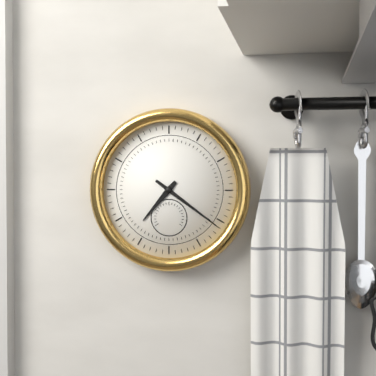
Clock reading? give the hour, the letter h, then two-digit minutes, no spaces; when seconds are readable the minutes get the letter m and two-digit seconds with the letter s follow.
7h21
